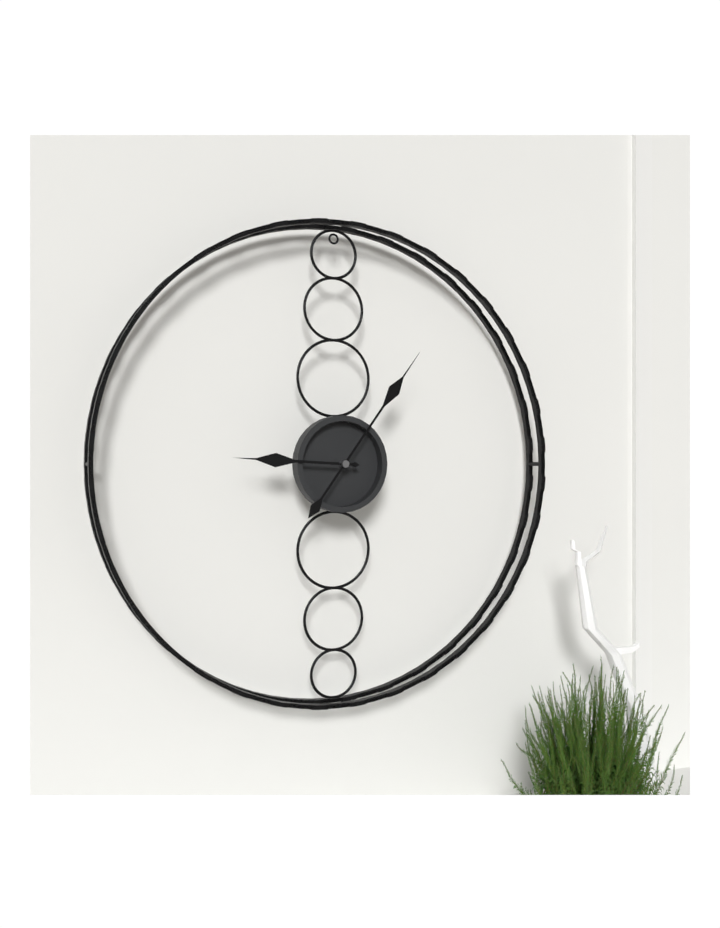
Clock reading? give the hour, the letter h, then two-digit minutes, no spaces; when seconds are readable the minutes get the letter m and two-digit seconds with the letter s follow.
9h06
